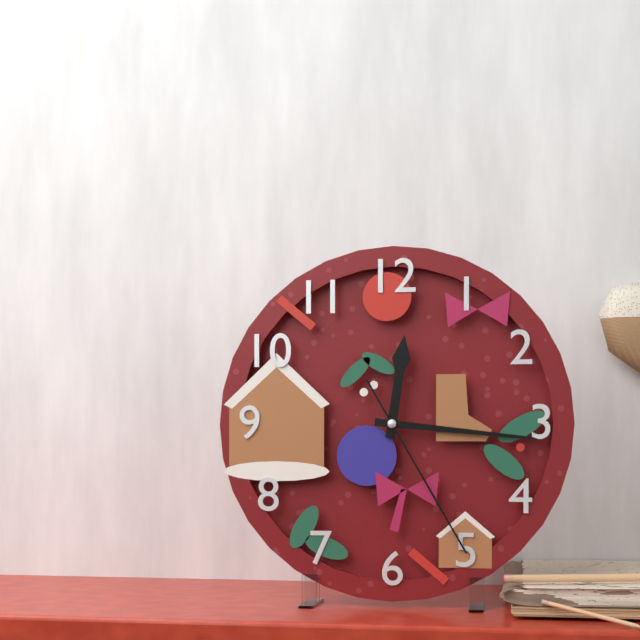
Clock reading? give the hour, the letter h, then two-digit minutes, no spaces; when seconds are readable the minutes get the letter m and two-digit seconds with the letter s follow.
12h16m25s
